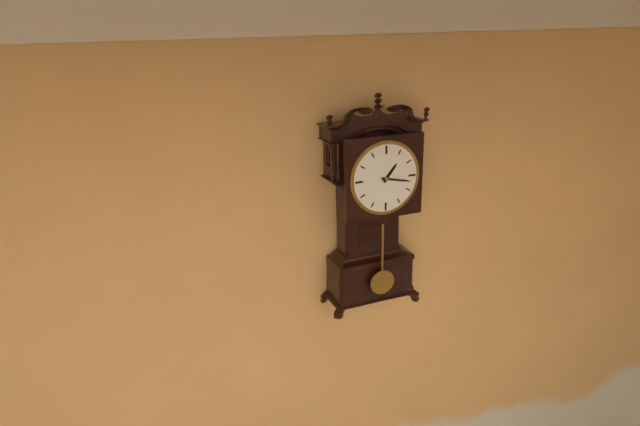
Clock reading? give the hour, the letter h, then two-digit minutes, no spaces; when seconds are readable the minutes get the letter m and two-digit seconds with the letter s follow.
1h17
